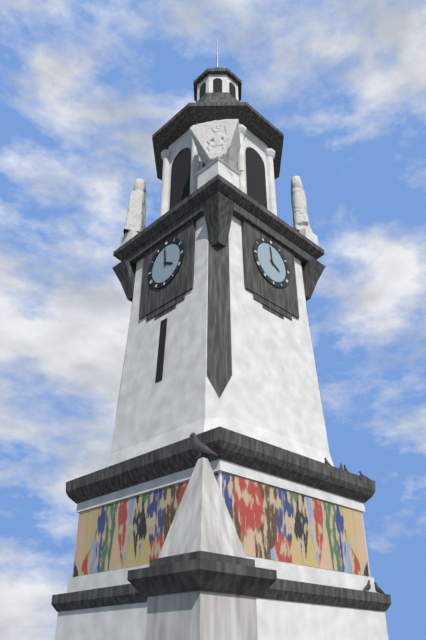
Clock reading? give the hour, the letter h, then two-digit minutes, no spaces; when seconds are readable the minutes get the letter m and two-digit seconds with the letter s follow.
3h59
